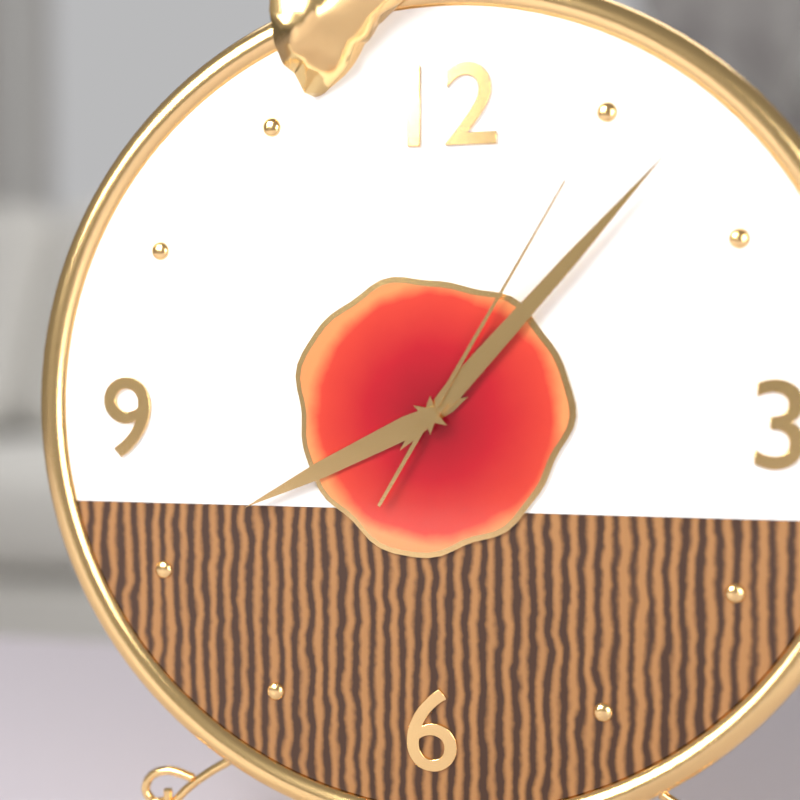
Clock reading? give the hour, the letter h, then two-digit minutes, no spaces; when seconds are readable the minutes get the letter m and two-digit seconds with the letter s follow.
8h07m05s
